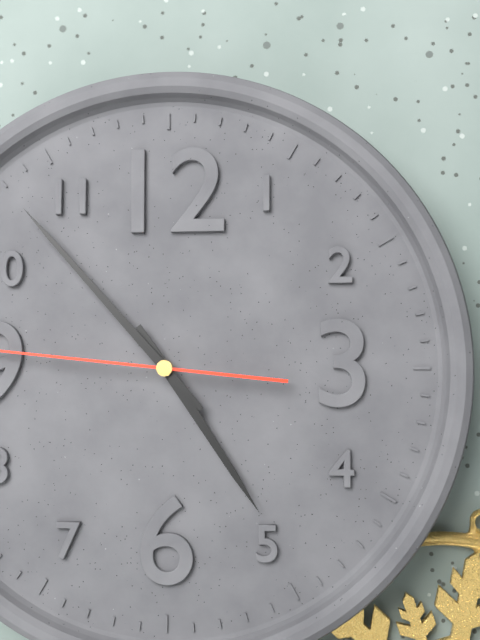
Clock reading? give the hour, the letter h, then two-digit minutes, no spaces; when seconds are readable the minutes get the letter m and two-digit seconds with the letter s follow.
4h53
